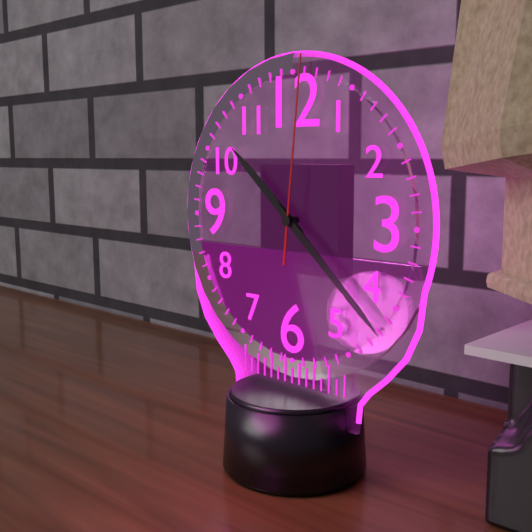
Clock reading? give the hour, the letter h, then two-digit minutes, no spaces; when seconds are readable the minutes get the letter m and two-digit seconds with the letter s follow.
10h22m01s
